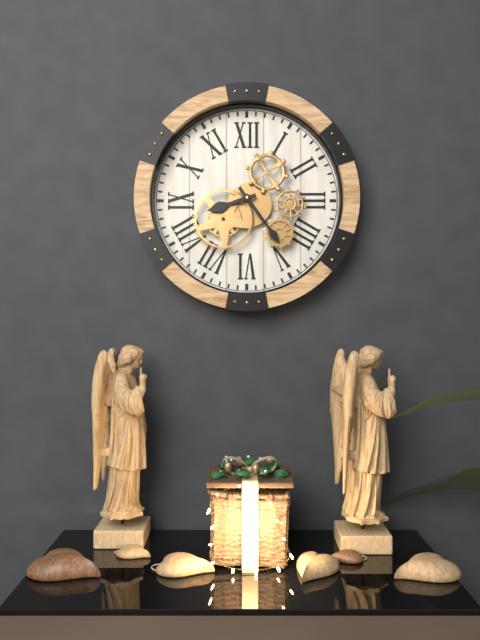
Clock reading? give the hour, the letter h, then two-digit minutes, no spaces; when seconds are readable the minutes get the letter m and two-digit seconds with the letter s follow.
8h24
